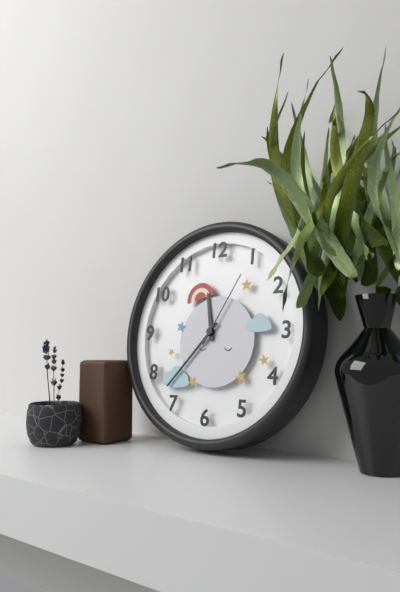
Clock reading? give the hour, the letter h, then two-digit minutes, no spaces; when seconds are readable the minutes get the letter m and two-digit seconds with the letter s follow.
11h37m05s
